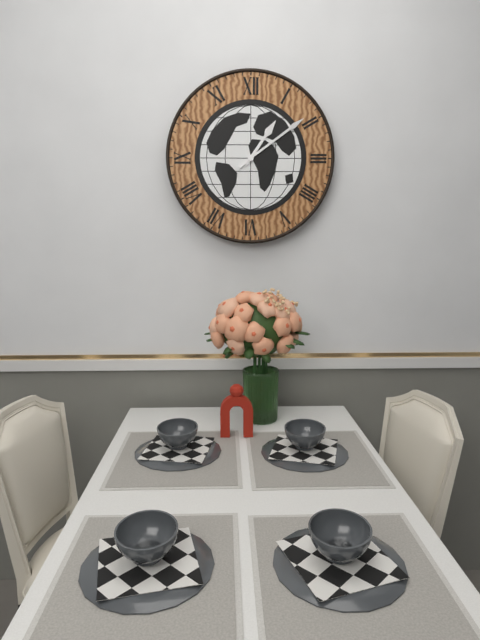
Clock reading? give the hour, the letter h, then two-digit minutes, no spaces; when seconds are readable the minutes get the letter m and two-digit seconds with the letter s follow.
1h09
